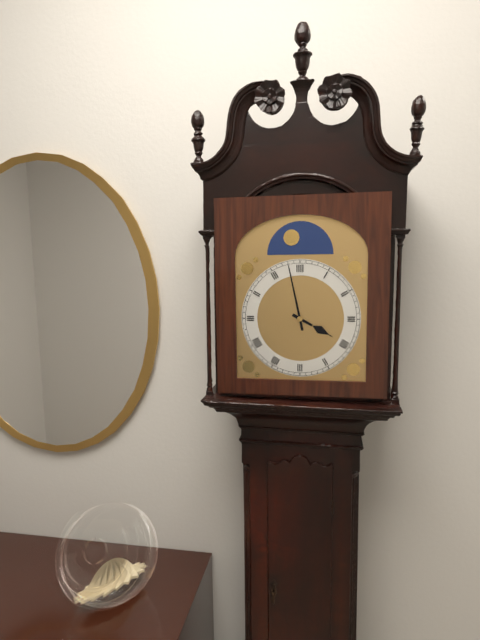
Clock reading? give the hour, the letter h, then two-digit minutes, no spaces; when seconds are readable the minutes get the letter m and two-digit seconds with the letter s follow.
3h58
